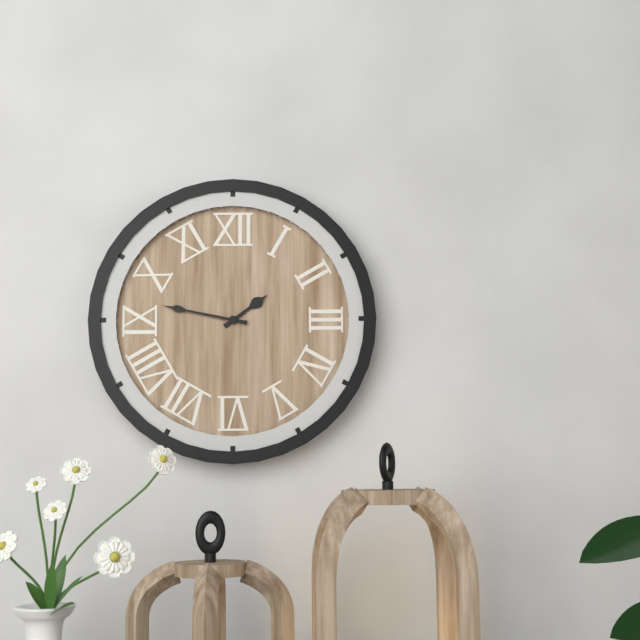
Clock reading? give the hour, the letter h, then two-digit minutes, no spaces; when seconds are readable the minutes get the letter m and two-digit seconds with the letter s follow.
1h47
